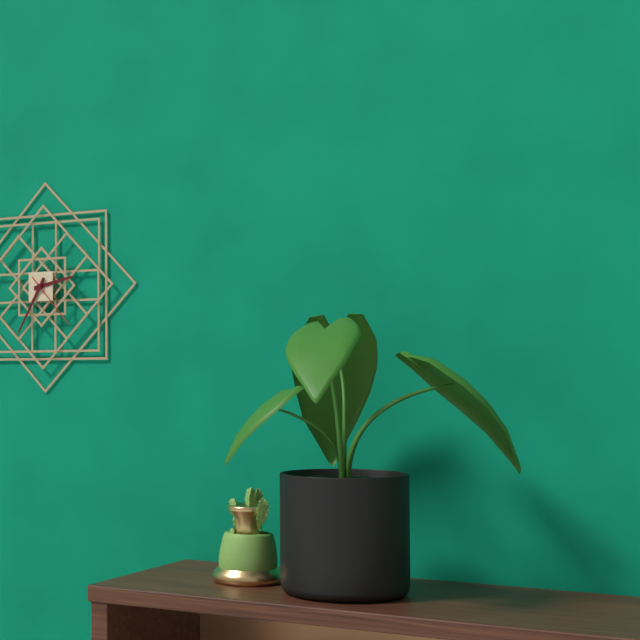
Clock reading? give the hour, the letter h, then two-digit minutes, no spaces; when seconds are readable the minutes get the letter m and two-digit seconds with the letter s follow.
2h35m23s
